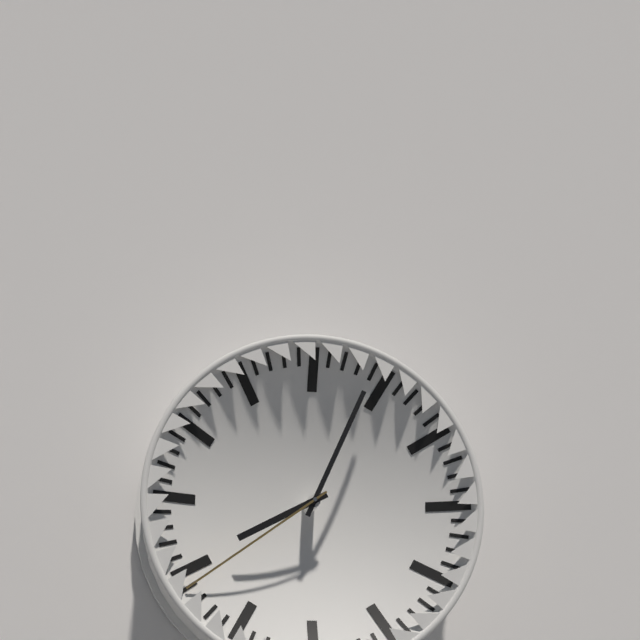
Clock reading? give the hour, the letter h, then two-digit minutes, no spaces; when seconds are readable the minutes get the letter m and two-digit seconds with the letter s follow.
8h04m39s
